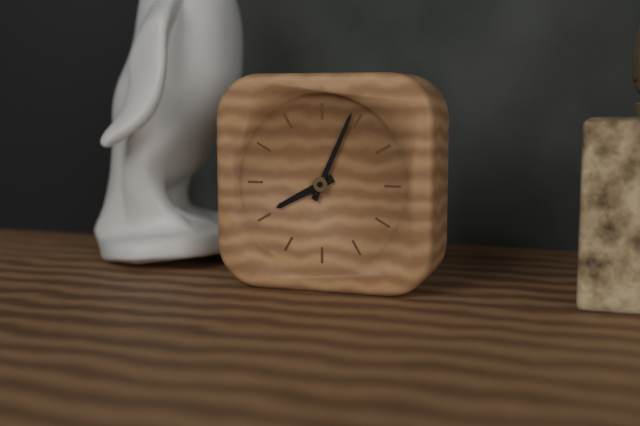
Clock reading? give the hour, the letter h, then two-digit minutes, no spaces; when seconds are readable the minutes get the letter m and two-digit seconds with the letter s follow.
8h04
